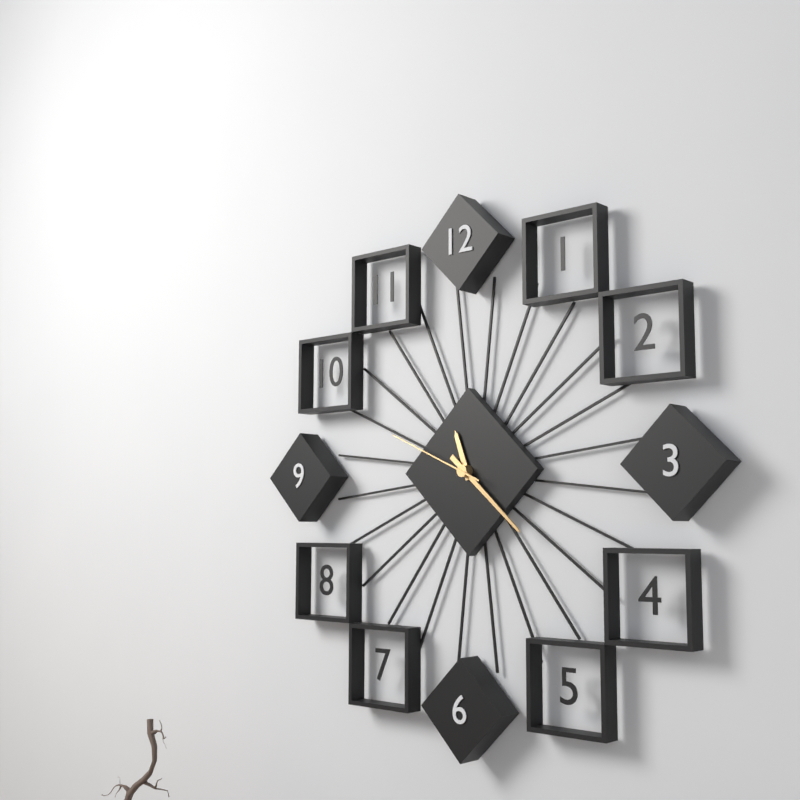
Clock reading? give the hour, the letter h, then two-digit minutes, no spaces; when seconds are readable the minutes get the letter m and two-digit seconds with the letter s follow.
11h22m49s
